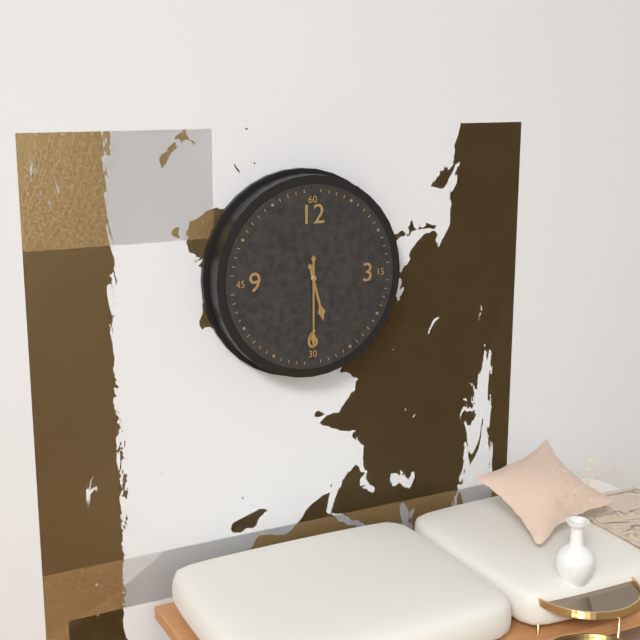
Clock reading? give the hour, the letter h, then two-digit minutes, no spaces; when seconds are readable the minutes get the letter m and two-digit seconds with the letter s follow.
5h30
